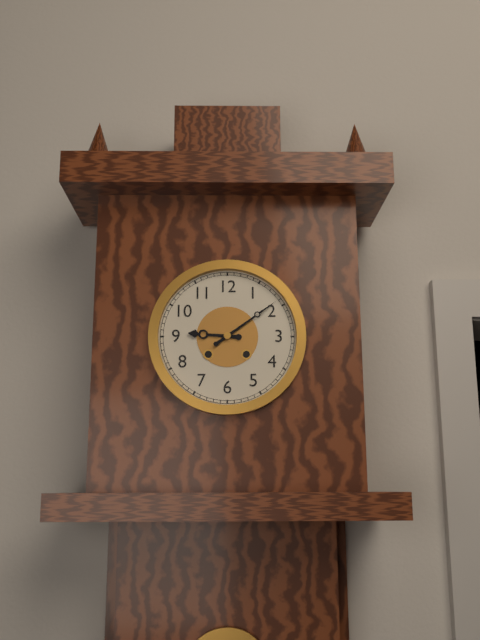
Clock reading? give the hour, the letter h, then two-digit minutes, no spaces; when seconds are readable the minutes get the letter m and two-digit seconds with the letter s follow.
9h09
